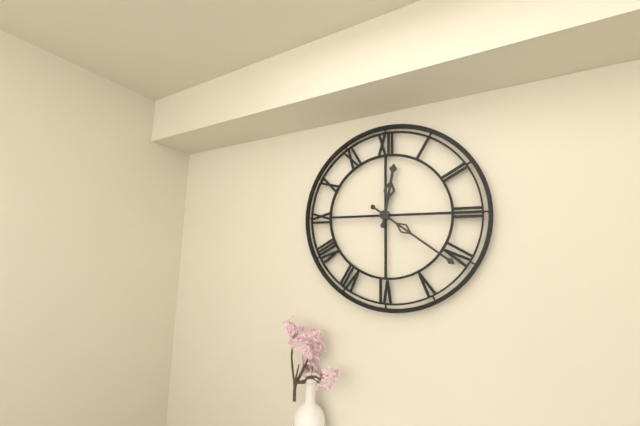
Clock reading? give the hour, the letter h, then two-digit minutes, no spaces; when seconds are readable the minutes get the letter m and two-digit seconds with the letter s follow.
12h21
